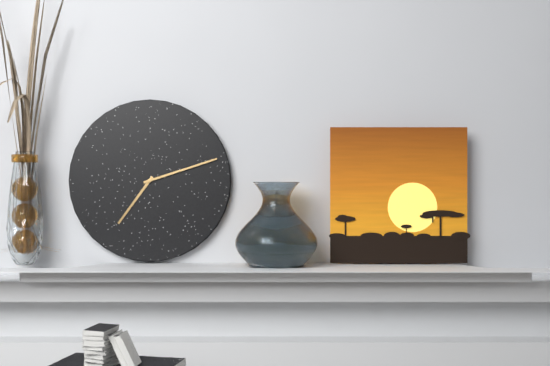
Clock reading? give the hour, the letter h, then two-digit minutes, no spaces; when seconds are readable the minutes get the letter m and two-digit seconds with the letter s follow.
7h12
